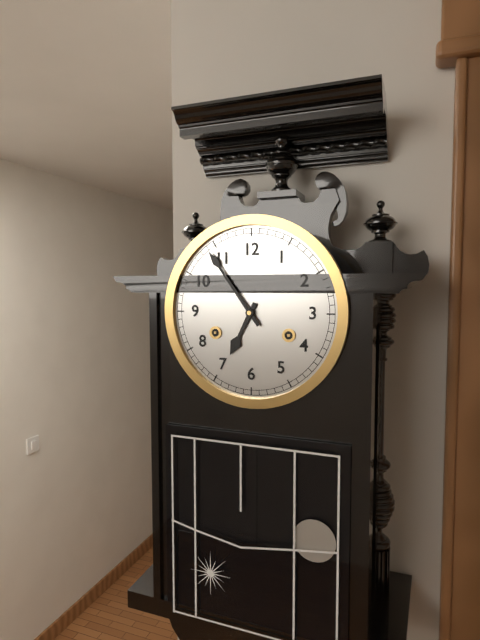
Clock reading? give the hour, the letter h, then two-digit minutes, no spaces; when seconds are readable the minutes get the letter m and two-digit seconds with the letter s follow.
6h54
